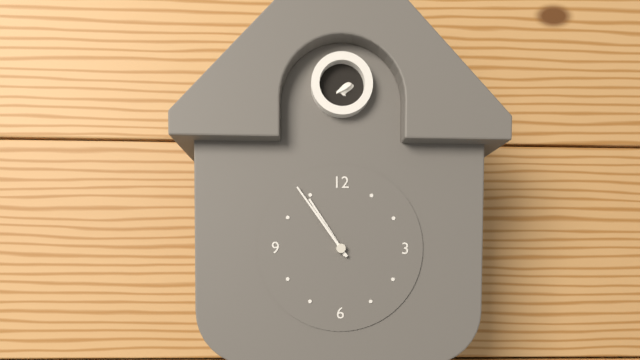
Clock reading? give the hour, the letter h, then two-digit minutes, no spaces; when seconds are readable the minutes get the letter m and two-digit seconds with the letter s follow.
10h54
